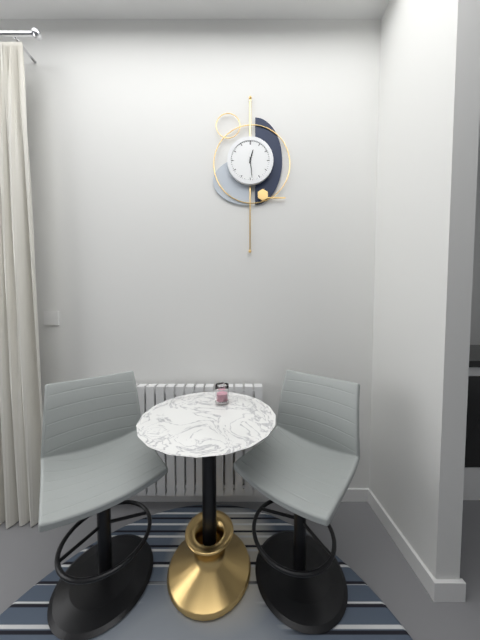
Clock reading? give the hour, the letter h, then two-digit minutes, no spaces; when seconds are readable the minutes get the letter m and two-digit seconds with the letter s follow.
12h29
